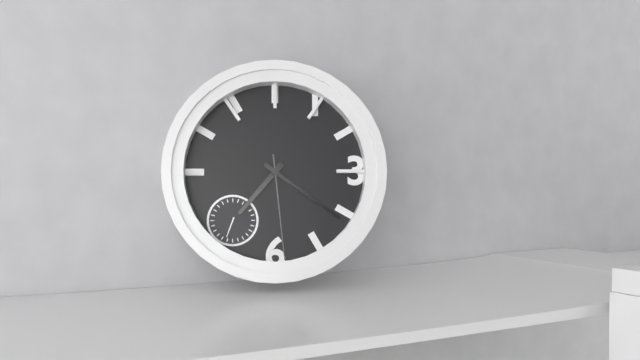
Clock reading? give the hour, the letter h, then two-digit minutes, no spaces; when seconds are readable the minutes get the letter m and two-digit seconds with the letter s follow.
7h21m29s
